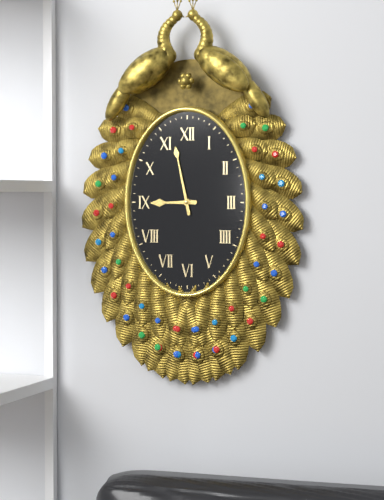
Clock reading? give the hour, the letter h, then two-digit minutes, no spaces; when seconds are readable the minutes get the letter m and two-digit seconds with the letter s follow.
8h58
